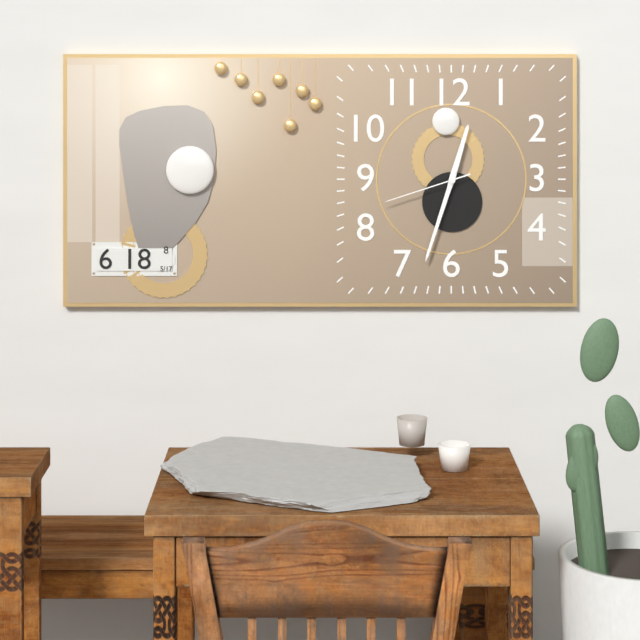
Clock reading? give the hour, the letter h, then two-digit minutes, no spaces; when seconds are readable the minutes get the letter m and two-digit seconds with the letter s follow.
12h33m42s
